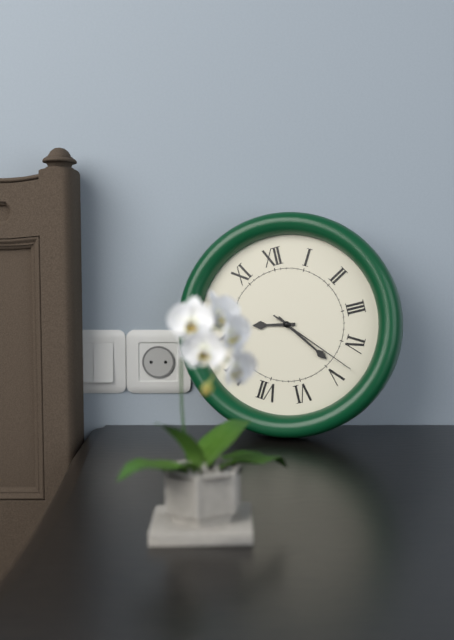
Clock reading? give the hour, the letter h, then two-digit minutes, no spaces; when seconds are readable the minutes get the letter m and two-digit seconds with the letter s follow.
9h24m23s
